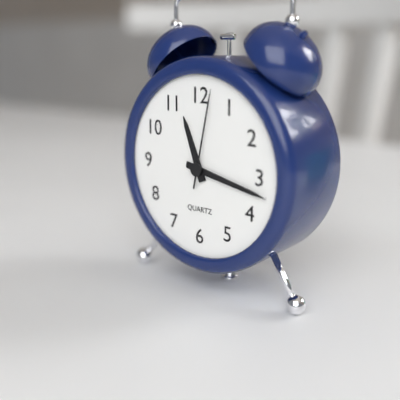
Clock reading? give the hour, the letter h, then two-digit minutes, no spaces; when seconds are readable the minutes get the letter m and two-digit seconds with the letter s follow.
11h17m02s
